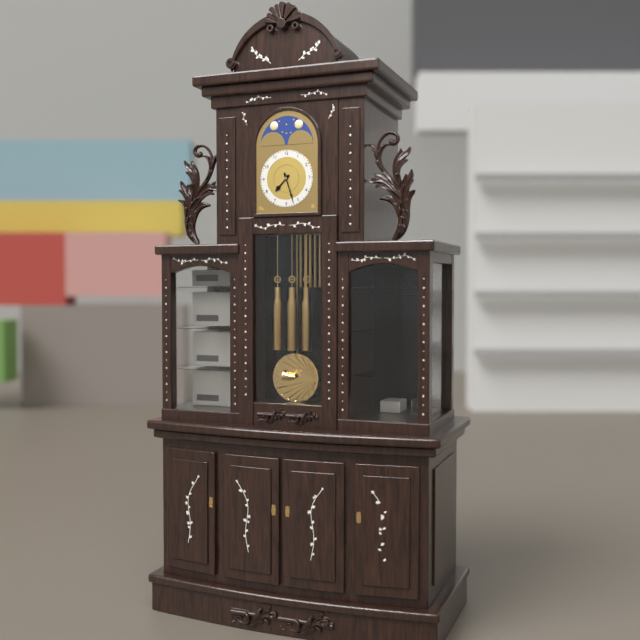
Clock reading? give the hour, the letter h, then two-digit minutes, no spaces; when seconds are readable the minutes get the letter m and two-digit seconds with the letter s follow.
7h27
